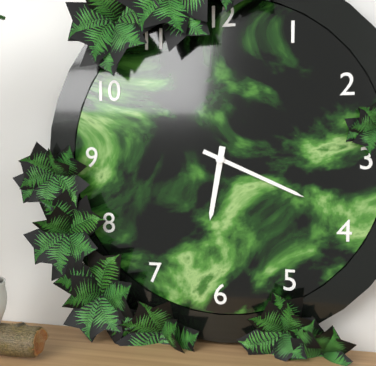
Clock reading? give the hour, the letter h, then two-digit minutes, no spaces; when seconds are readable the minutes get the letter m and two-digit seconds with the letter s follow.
6h19
